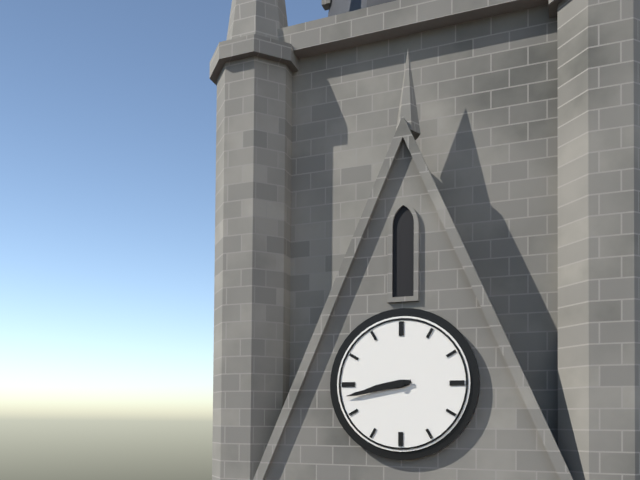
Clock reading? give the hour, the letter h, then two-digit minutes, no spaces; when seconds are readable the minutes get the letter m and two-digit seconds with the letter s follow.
8h43
